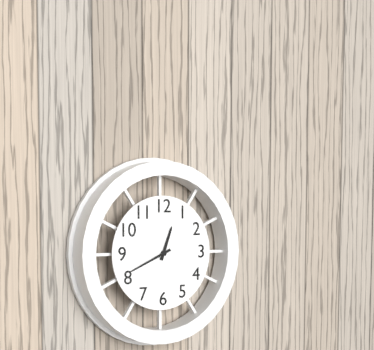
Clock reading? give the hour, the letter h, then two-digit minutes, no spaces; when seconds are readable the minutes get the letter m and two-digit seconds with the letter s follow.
12h41
